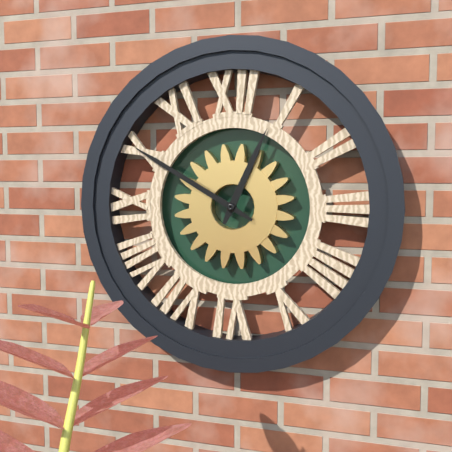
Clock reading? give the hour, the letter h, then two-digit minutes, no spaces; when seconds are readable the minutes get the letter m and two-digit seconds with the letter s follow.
12h50
